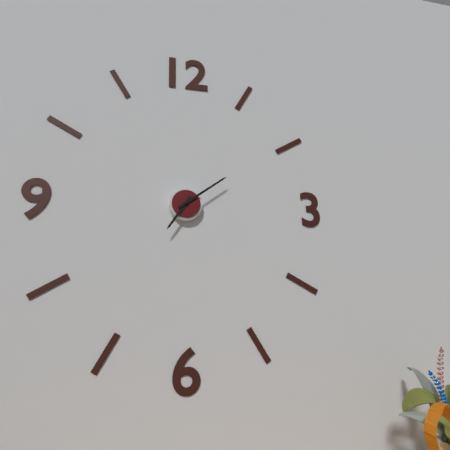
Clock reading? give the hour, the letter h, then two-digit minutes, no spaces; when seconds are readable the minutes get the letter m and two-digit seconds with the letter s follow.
7h09
